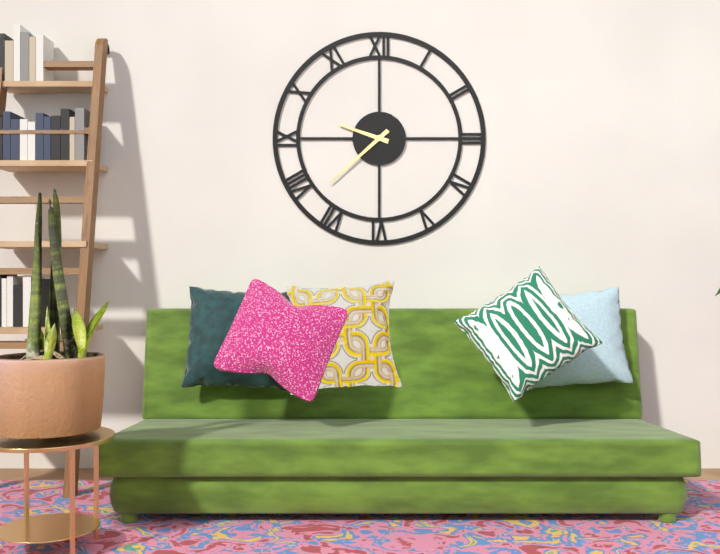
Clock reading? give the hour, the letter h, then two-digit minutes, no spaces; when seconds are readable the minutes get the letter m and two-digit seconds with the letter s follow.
9h38
